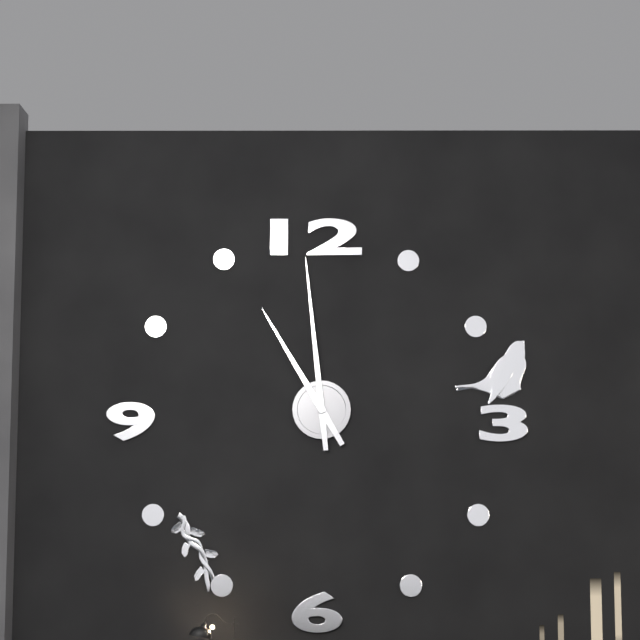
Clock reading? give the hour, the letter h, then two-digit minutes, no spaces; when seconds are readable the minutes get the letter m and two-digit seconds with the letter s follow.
10h59
